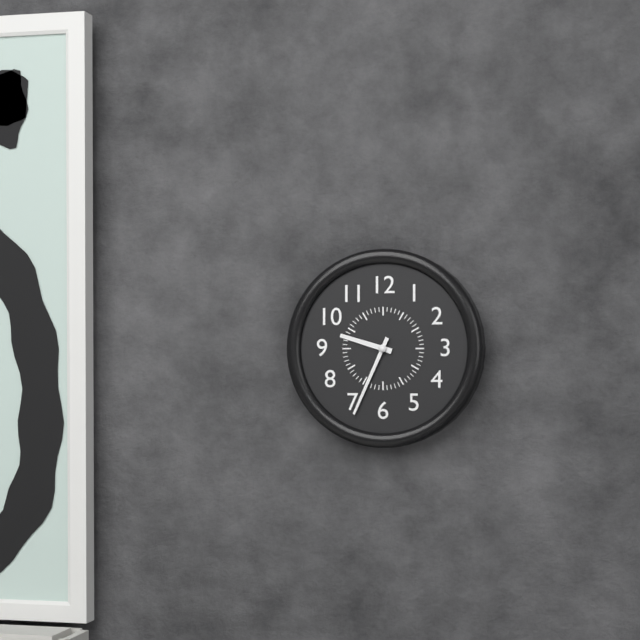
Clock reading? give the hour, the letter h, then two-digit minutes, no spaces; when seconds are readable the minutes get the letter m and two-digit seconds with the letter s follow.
9h34
